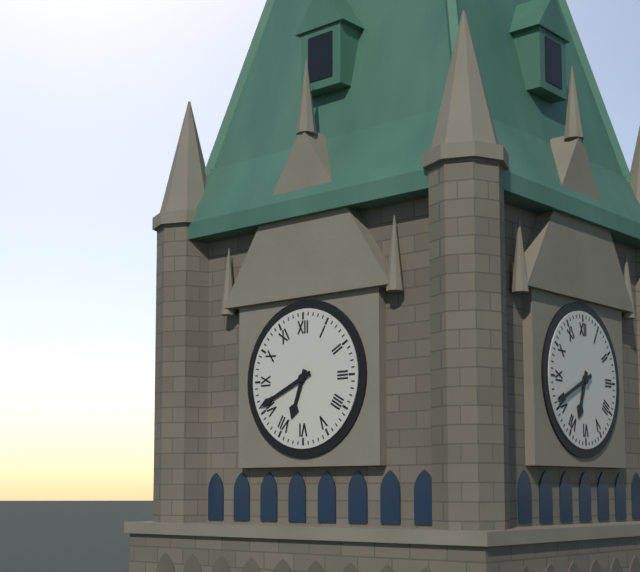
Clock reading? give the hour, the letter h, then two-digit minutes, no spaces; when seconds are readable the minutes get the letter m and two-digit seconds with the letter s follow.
6h41
